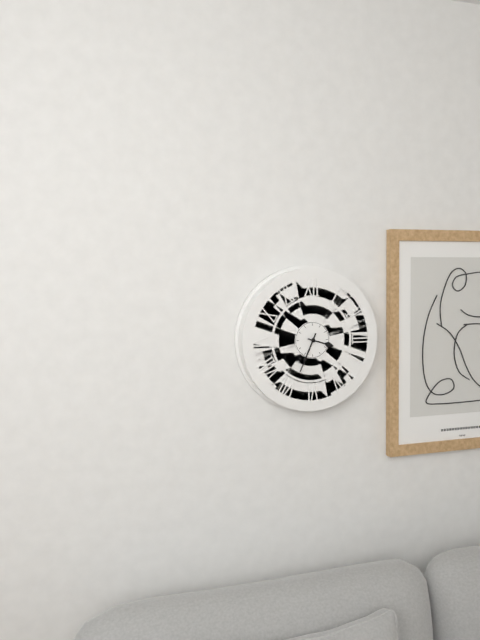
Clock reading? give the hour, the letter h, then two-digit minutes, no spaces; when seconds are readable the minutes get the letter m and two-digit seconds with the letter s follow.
3h34
